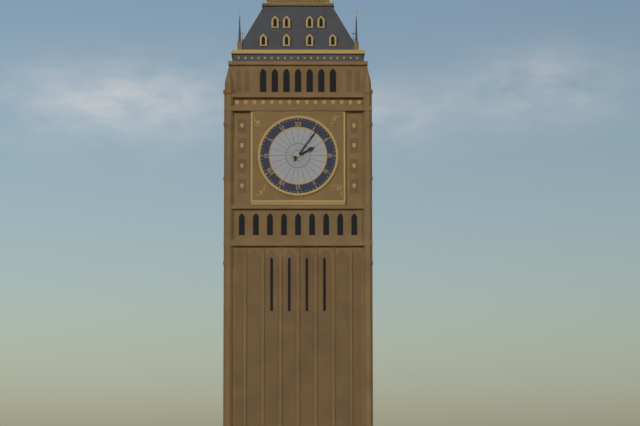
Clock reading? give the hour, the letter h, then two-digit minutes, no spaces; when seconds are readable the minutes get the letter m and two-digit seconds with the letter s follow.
2h06
